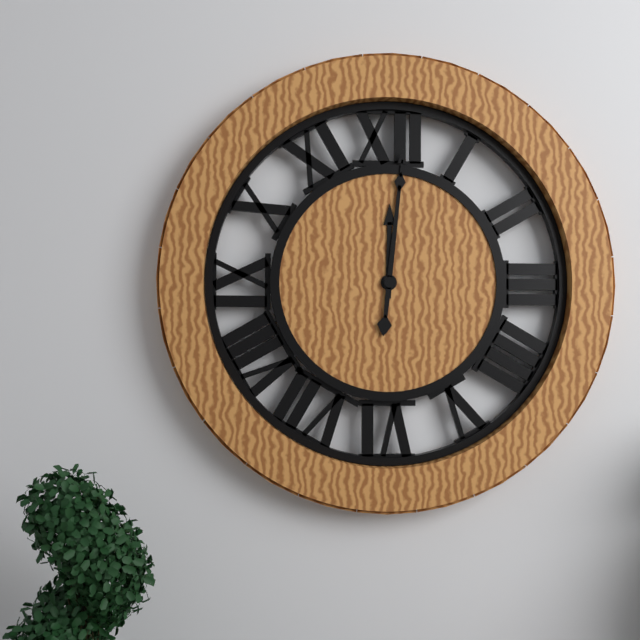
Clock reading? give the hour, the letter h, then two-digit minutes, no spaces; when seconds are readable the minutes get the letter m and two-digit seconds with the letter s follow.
12h01
